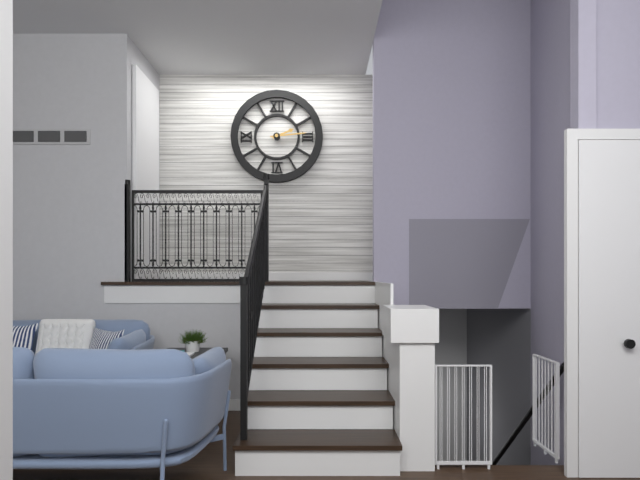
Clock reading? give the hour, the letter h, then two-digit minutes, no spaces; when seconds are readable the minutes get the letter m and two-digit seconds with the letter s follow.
2h14
